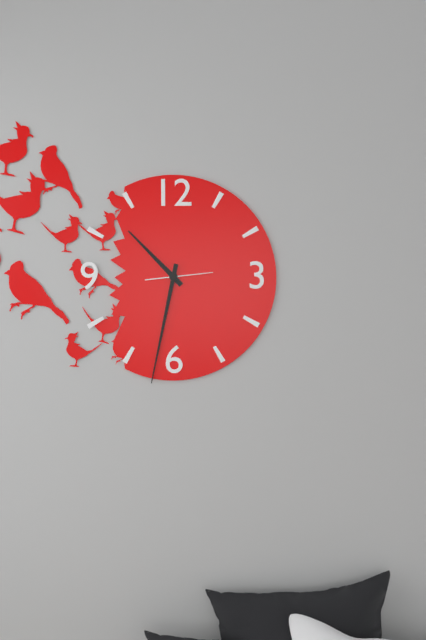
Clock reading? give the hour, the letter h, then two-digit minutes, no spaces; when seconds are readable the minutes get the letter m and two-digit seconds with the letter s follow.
10h32
